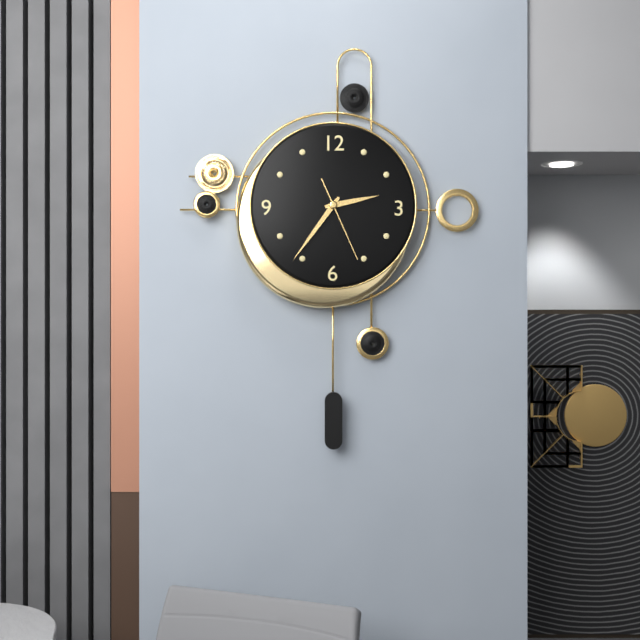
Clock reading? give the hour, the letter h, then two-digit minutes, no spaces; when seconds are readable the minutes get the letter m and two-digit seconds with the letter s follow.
2h36m26s
